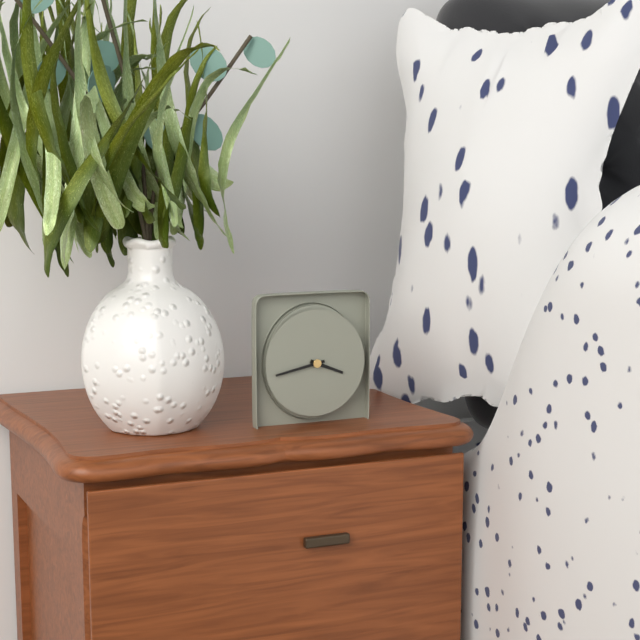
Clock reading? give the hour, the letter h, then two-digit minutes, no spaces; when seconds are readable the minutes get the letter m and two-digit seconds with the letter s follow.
3h43
